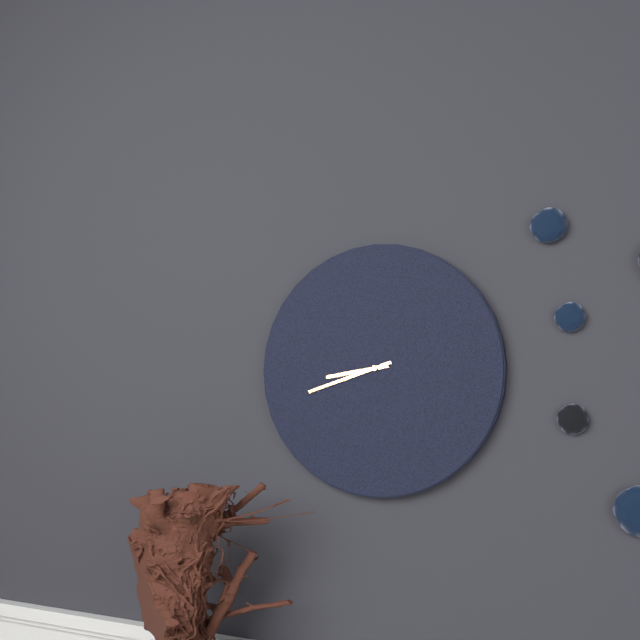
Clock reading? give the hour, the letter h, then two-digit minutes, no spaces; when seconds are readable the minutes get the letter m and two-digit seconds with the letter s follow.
8h42
